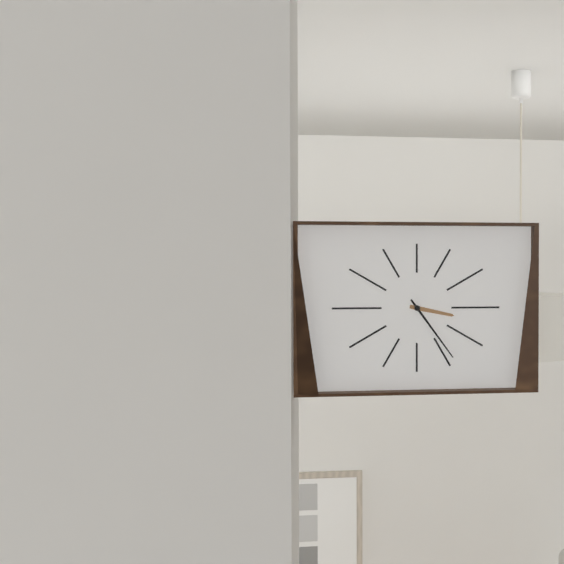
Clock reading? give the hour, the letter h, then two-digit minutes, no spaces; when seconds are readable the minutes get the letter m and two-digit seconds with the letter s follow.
3h24
